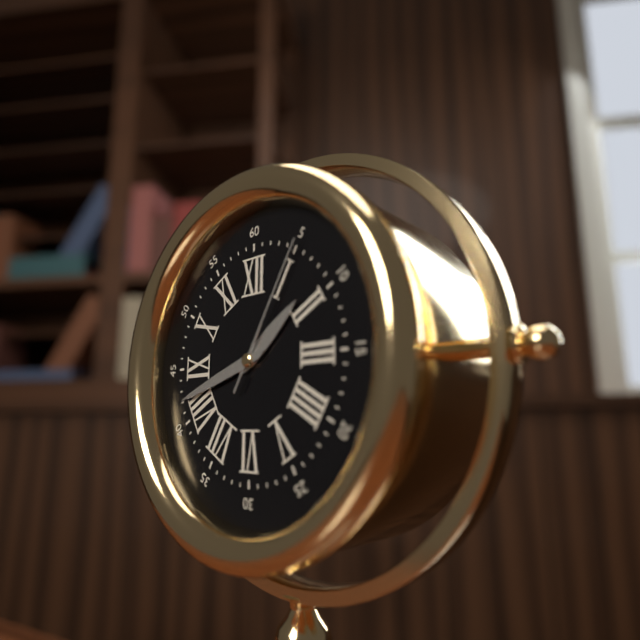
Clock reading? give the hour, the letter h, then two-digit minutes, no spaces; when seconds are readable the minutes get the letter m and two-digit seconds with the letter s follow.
1h42m05s
